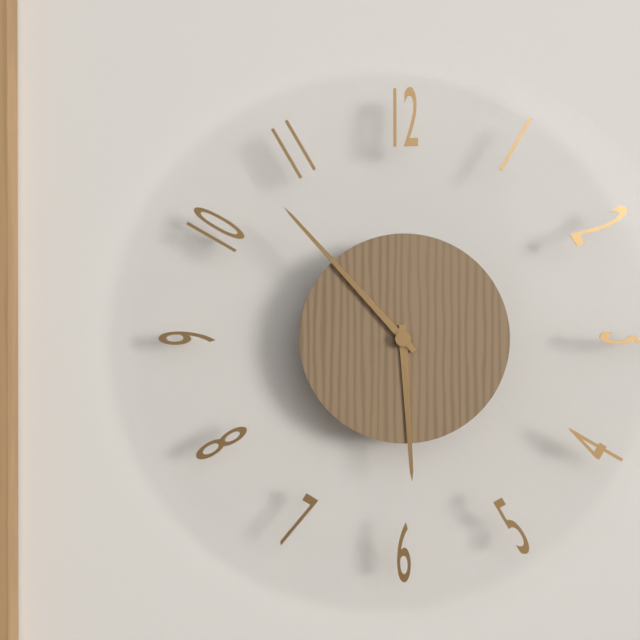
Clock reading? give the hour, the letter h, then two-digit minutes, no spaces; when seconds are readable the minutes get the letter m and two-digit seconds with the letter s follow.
5h53
